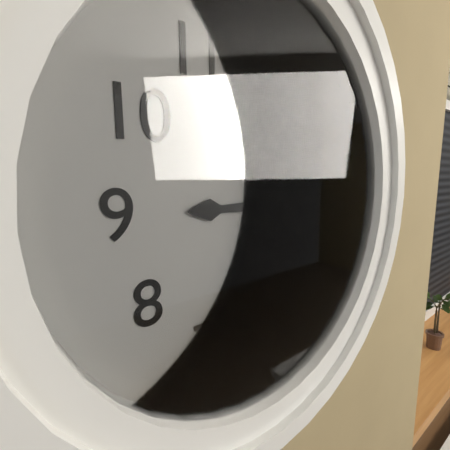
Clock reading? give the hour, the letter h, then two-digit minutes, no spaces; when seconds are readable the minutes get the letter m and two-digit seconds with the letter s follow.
9h00
